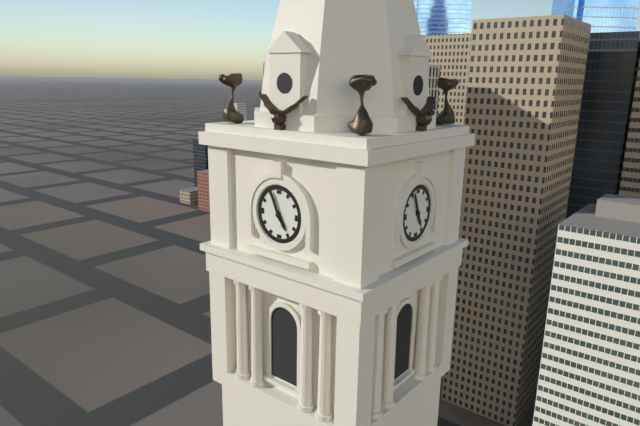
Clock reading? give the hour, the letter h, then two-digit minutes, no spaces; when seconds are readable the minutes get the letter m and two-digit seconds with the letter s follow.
4h56
